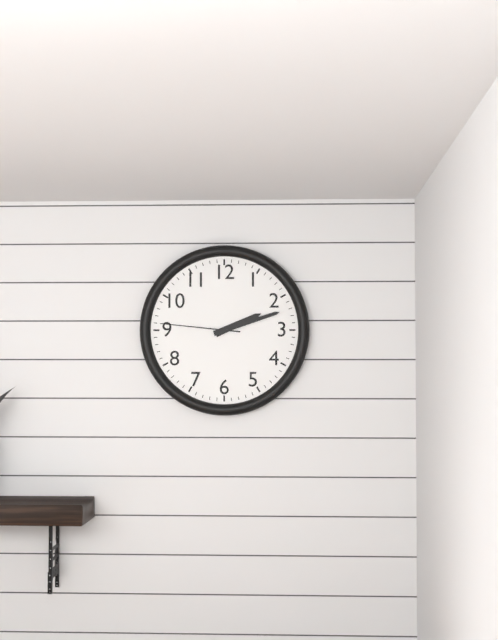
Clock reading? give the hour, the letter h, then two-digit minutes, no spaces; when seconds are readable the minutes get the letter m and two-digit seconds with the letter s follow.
2h12m46s
